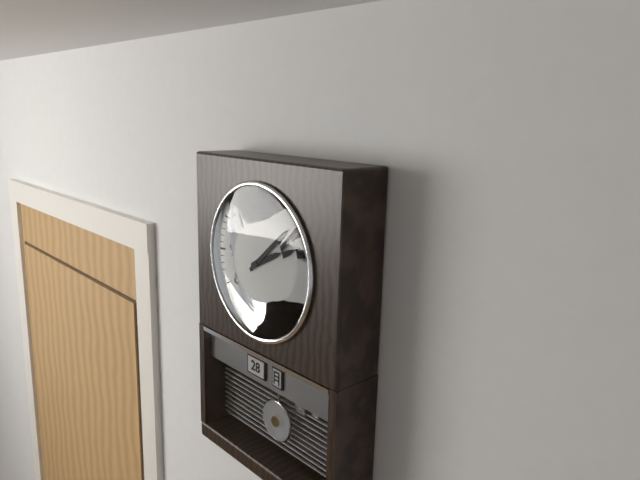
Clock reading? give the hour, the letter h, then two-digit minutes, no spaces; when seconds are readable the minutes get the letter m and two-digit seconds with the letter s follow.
2h08
